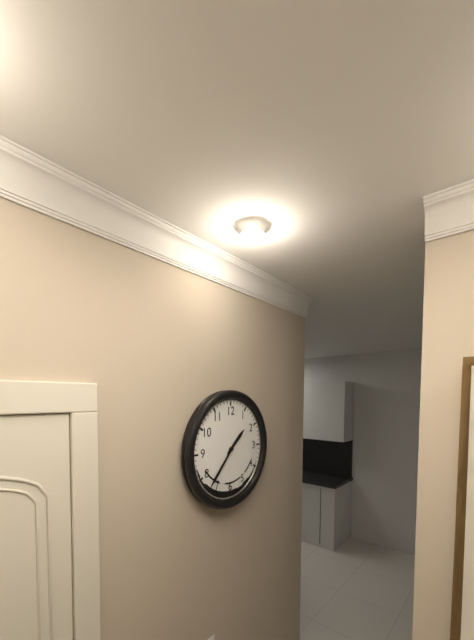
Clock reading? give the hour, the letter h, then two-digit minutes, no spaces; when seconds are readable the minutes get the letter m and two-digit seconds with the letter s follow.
1h37
